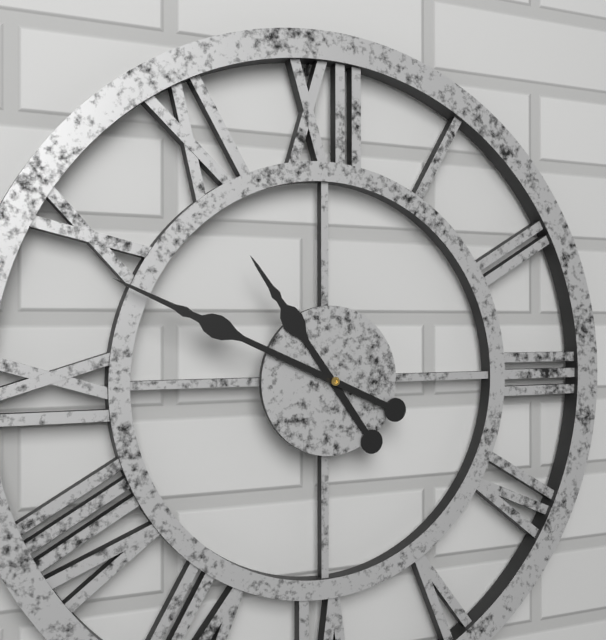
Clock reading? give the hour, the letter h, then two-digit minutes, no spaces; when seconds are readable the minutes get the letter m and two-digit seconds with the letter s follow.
10h49
